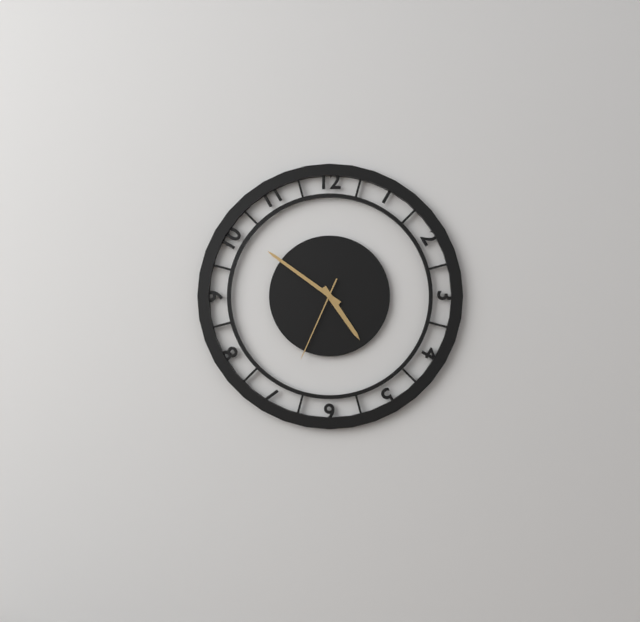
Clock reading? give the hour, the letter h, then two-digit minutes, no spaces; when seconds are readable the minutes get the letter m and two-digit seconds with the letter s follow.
4h51m34s
